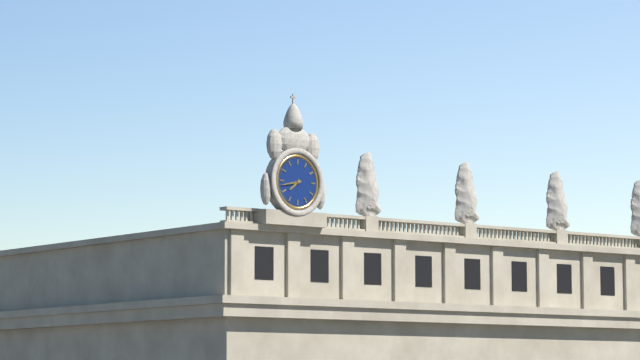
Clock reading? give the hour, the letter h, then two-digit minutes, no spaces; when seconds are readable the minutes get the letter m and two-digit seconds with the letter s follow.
7h43
